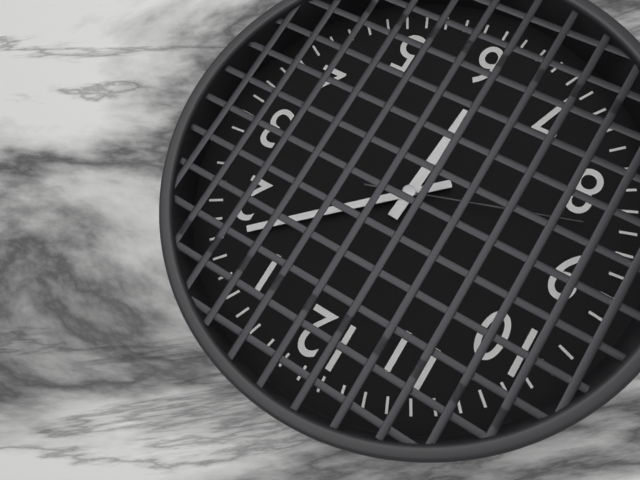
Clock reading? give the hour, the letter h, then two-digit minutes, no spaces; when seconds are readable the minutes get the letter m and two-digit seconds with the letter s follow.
6h08m42s
